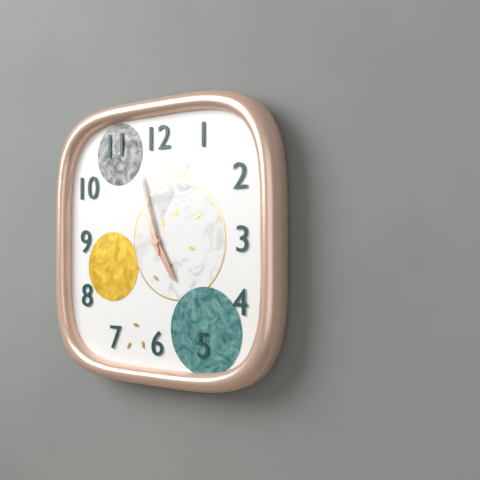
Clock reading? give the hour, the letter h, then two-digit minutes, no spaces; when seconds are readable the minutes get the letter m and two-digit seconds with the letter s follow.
4h57
